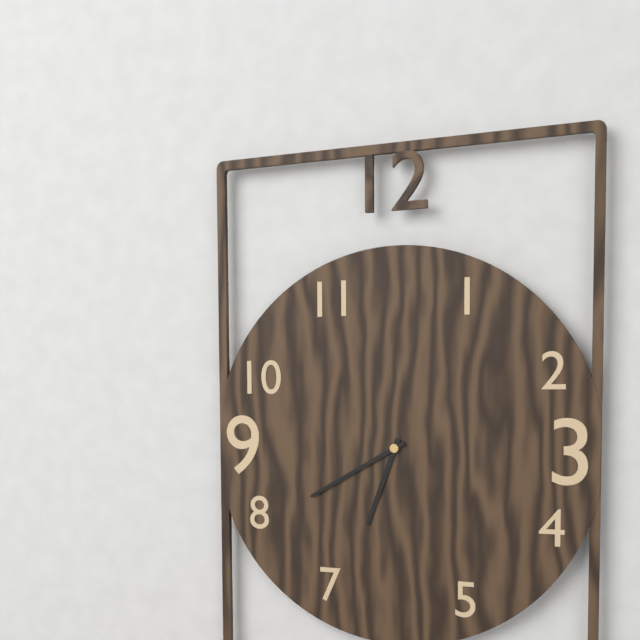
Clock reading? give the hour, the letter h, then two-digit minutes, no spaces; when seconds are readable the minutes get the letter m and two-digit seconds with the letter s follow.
6h40
